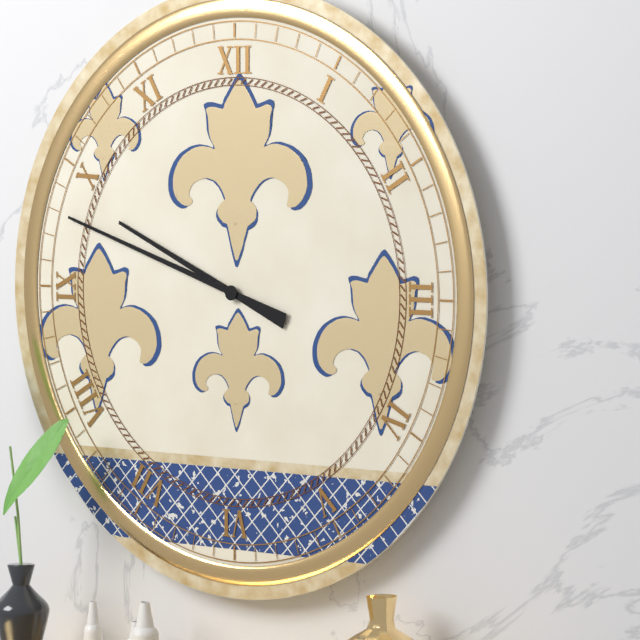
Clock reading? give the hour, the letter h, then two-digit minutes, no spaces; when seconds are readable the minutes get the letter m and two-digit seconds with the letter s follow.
9h48
